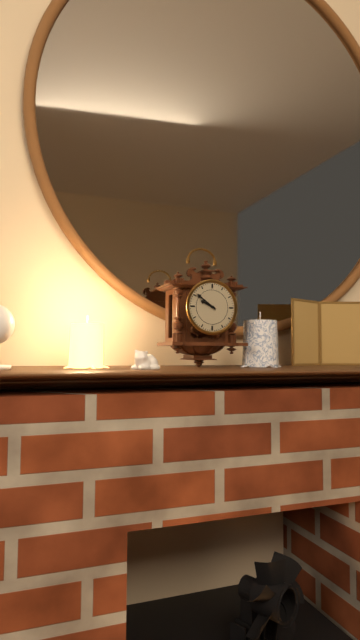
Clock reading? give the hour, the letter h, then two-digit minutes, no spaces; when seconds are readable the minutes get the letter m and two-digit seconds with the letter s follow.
9h51
